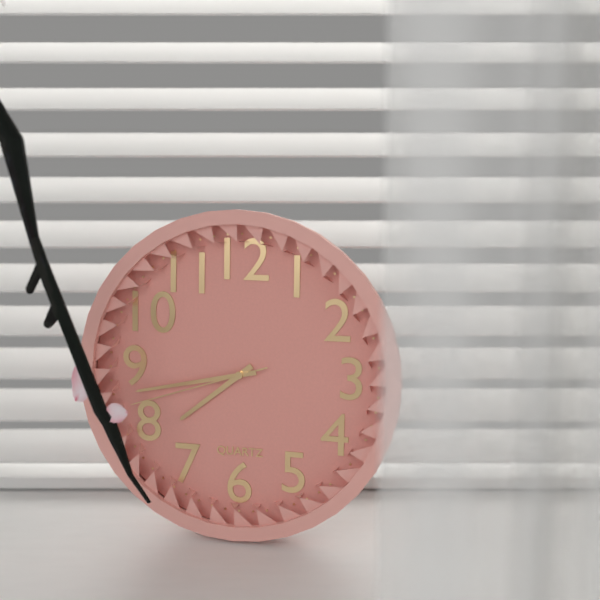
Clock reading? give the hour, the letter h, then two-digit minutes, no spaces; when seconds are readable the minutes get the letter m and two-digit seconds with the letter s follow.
7h43m42s
